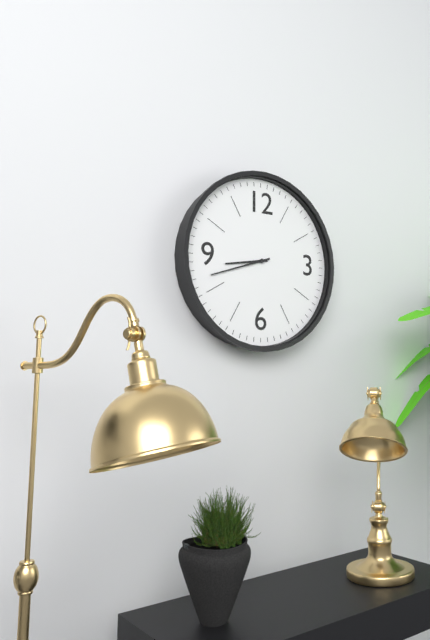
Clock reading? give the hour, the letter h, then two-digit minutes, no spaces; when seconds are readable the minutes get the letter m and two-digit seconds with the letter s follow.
8h42
